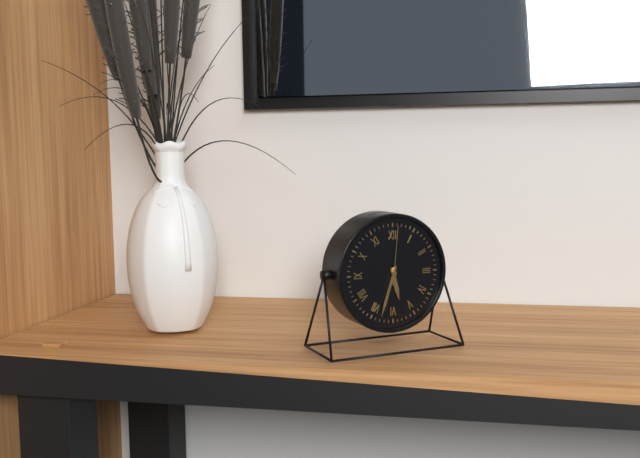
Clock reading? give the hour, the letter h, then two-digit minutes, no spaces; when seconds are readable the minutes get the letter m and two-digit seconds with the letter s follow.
5h33m01s
